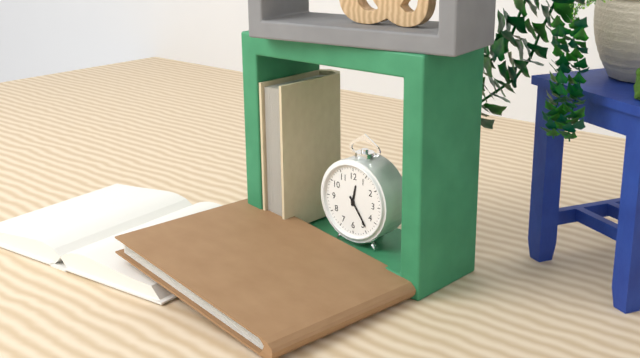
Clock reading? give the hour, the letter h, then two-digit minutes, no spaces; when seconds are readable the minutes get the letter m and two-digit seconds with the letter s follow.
12h24
